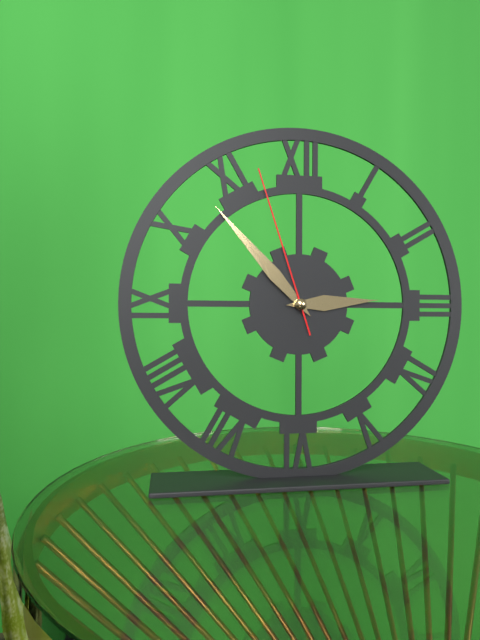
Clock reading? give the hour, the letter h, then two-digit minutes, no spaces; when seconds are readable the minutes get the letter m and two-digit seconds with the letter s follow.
2h53m57s
